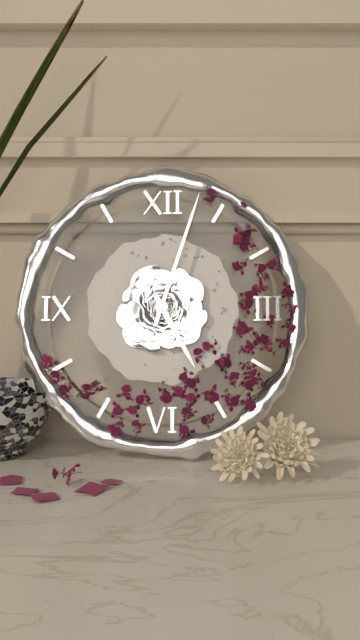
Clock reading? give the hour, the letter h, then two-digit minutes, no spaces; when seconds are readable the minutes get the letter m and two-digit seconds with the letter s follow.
5h03
